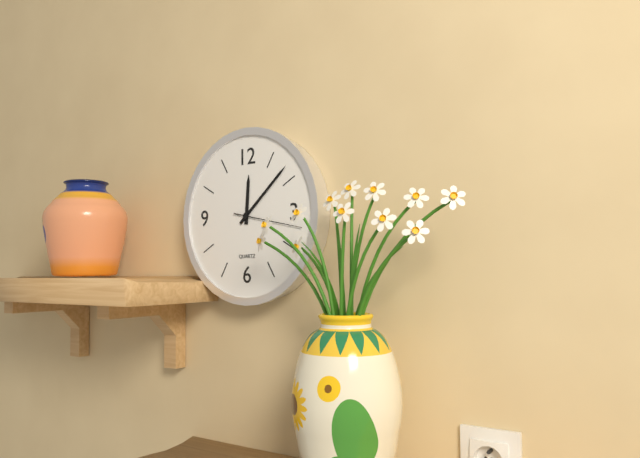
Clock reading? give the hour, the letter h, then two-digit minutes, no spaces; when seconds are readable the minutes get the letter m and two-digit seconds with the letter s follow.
12h08m17s
